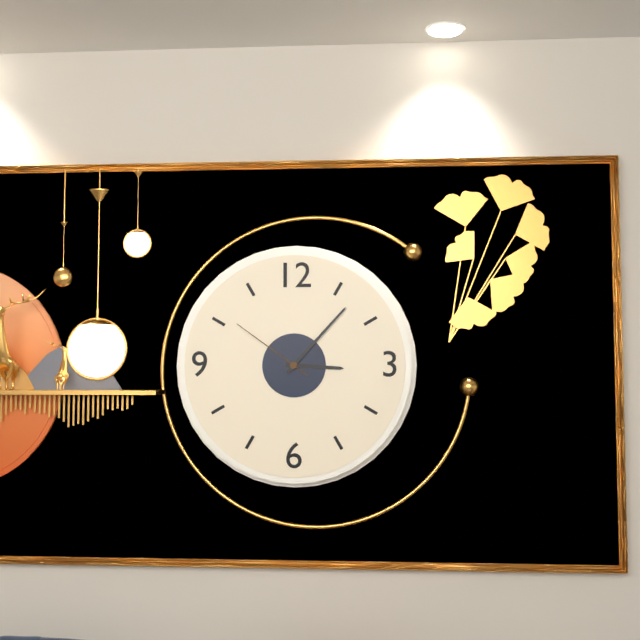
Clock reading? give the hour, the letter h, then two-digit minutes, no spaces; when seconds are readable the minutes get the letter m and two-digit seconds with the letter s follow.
3h07m51s
